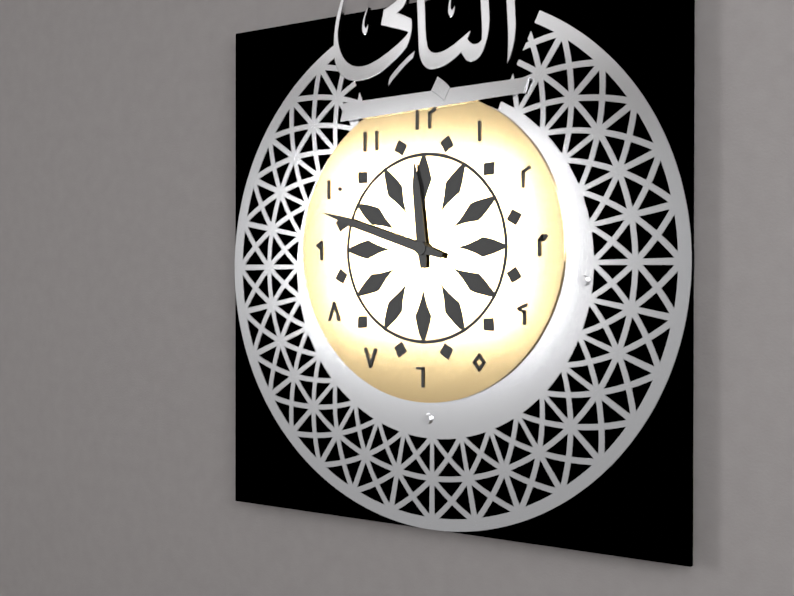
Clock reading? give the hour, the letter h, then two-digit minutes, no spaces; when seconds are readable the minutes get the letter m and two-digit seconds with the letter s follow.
11h48
